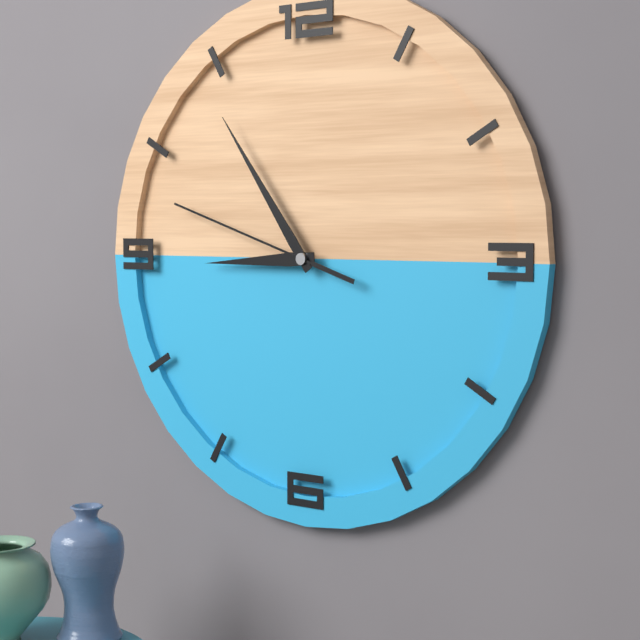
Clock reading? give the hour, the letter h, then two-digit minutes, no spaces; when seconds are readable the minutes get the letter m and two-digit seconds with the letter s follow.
8h54m48s
